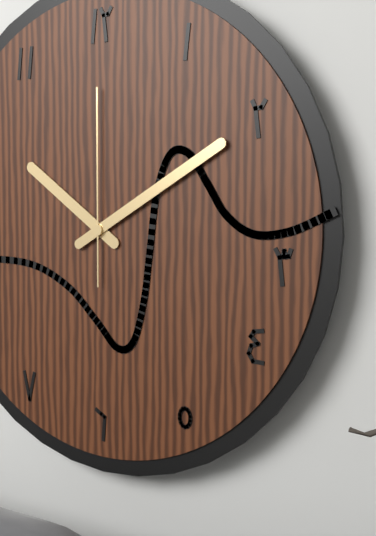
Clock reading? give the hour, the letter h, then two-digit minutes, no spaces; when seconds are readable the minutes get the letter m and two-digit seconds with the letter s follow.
10h10m00s
